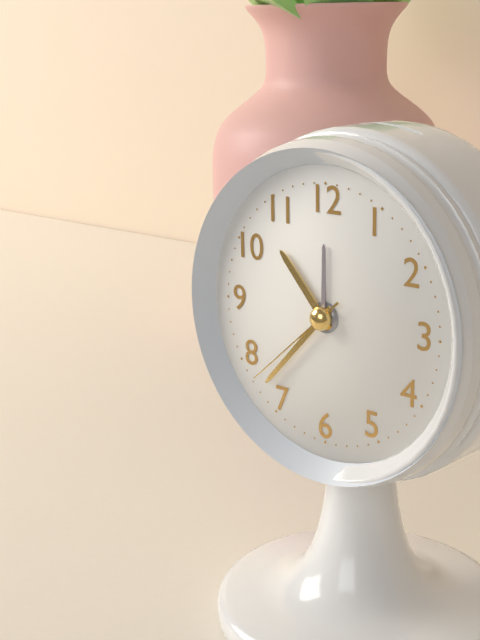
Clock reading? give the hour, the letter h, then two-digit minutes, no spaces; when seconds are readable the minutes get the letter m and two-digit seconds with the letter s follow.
10h37m38s
